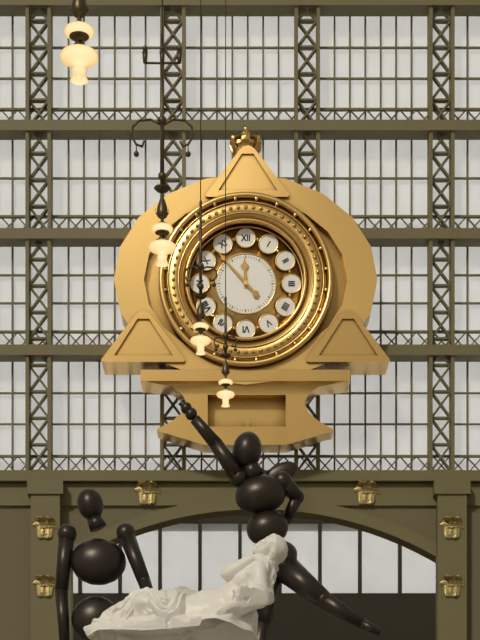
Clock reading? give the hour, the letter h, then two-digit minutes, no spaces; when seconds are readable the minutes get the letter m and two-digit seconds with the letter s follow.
11h53
